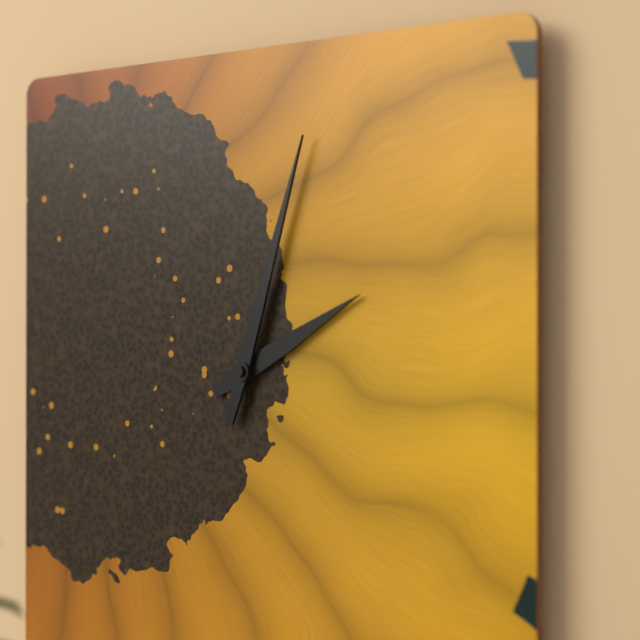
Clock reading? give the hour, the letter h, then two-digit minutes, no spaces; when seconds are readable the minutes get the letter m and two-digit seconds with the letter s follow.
2h03
